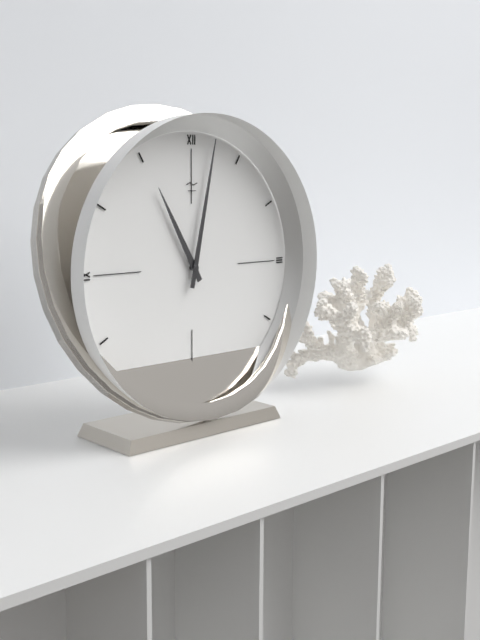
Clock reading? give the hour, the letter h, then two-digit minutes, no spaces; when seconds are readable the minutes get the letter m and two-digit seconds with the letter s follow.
11h02
